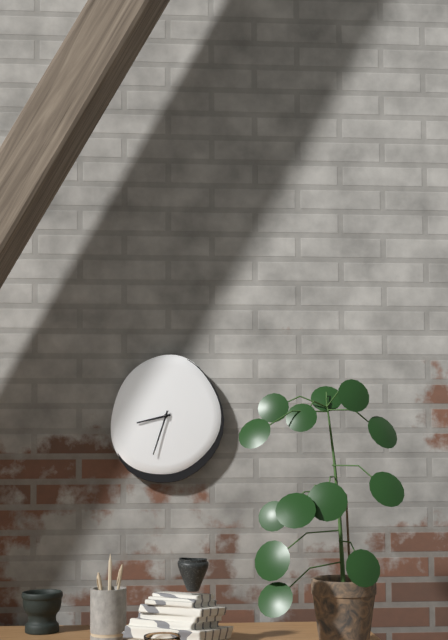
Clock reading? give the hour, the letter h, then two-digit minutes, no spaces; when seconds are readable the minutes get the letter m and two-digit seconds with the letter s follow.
8h33
